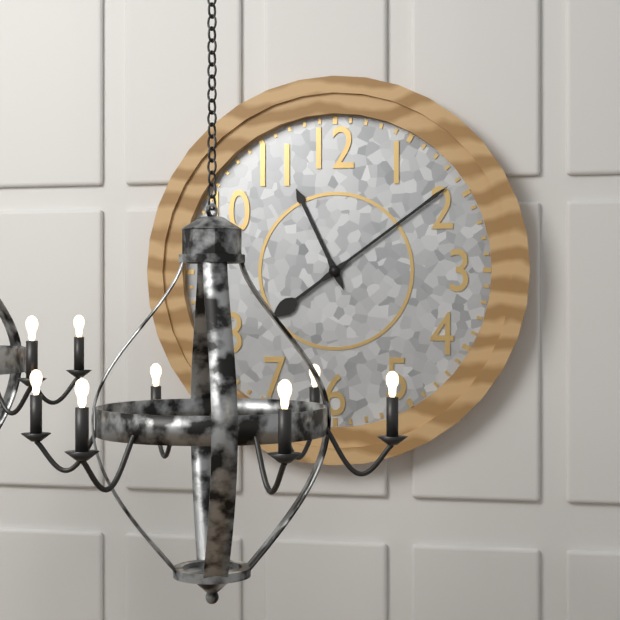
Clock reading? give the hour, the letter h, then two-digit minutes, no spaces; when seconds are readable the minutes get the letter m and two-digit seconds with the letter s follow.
11h09
